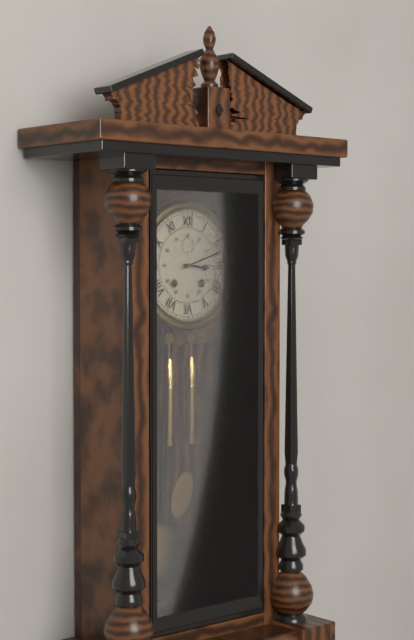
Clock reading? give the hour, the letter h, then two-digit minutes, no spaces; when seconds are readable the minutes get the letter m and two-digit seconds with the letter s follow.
3h12
